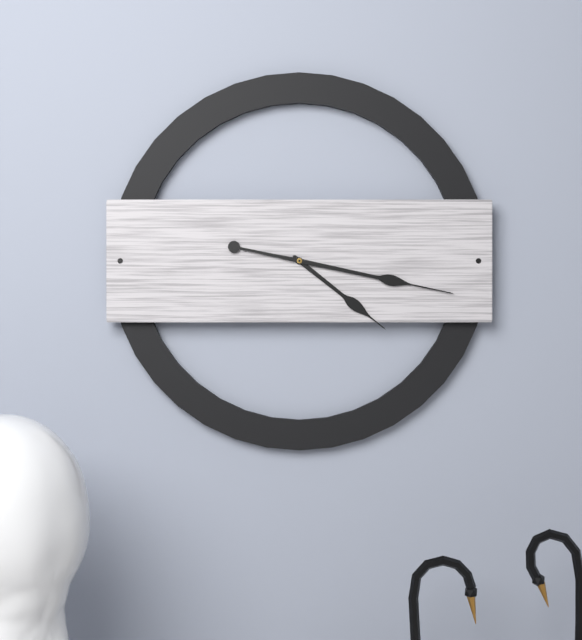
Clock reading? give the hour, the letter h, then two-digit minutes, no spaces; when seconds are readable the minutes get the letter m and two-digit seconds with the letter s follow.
4h17
